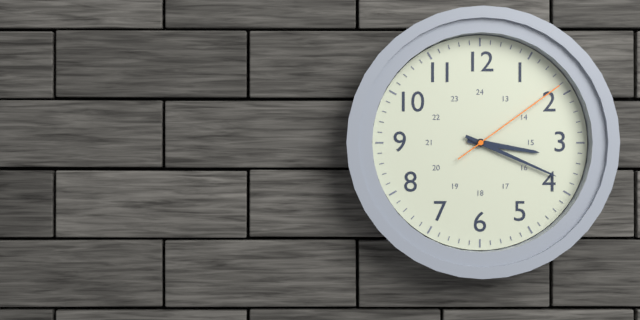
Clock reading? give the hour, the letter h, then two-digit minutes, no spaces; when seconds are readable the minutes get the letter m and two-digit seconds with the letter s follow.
3h19m09s
